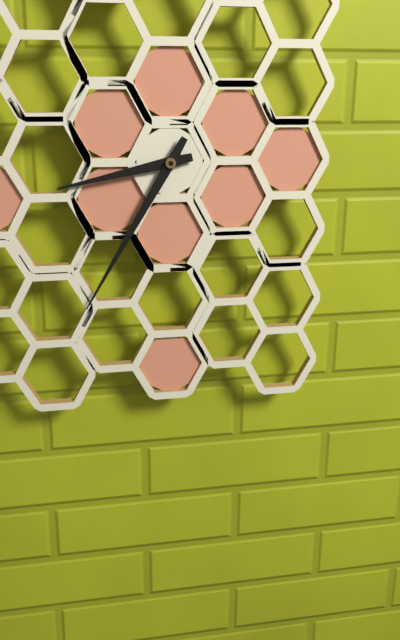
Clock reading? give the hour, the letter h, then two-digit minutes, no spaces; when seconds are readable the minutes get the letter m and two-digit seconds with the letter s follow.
8h35
